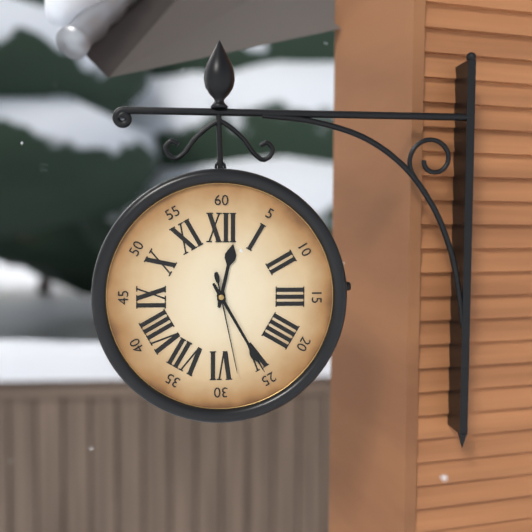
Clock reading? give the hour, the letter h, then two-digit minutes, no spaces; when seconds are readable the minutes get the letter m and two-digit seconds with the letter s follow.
12h25m28s
